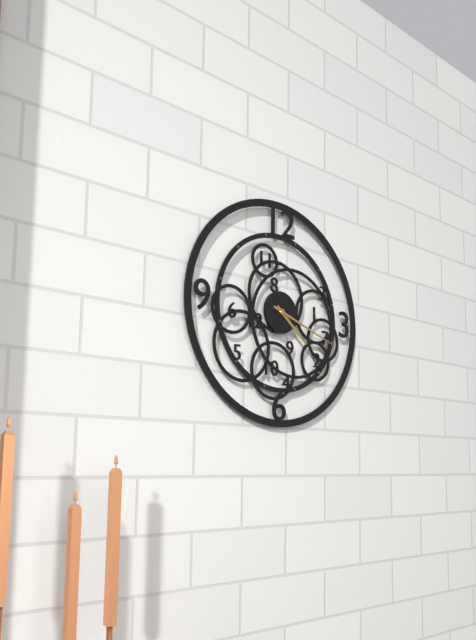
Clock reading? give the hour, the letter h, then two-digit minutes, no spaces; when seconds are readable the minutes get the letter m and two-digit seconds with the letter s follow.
4h18
